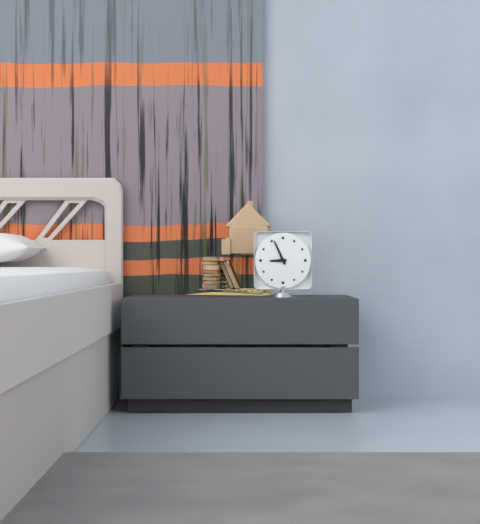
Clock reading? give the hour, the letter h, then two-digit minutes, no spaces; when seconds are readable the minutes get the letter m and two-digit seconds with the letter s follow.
8h56
